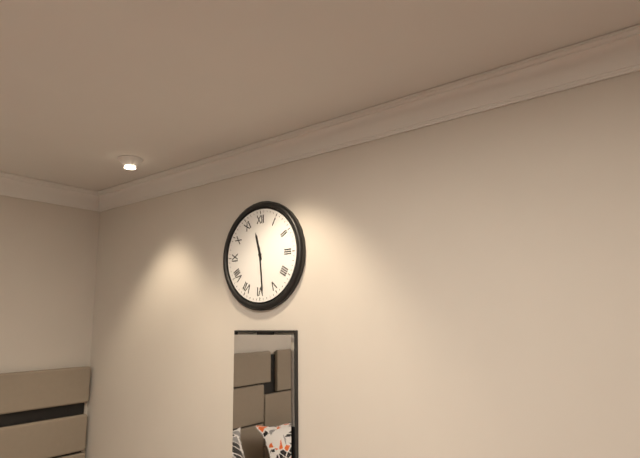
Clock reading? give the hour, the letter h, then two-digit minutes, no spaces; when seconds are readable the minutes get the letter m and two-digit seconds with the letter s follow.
11h29
